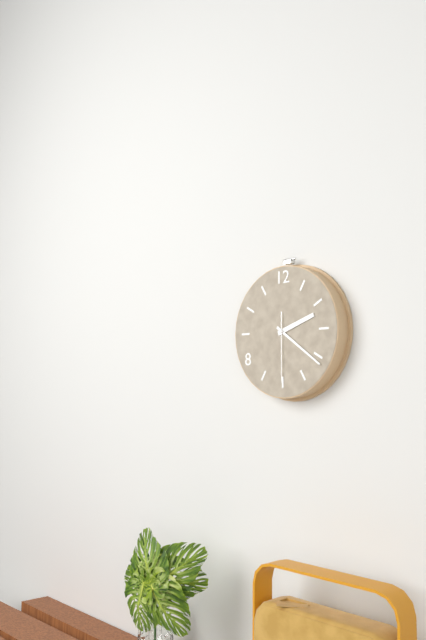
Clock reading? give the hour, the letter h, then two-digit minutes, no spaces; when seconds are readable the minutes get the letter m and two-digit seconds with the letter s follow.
2h21m30s
